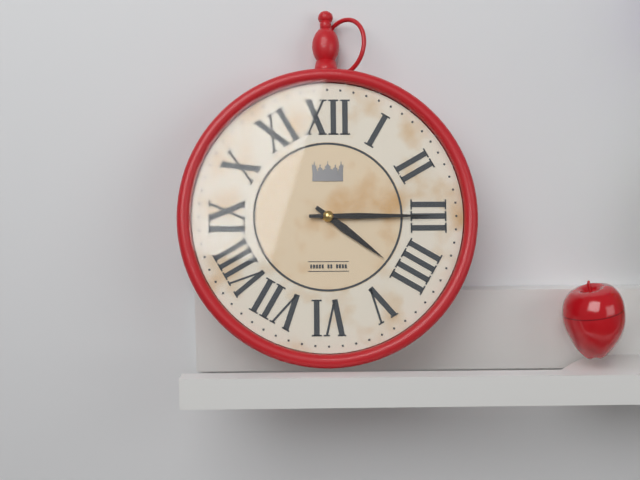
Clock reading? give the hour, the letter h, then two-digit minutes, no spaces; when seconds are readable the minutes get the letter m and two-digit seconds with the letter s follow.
4h15
